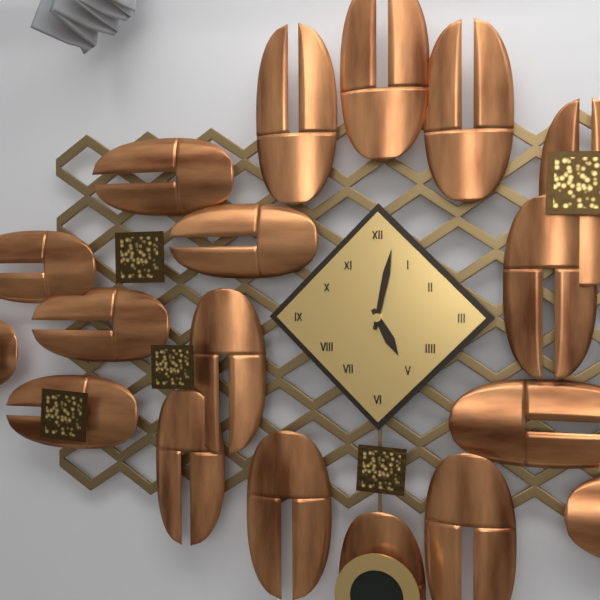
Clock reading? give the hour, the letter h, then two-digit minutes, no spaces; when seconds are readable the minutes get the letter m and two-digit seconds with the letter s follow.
5h02
